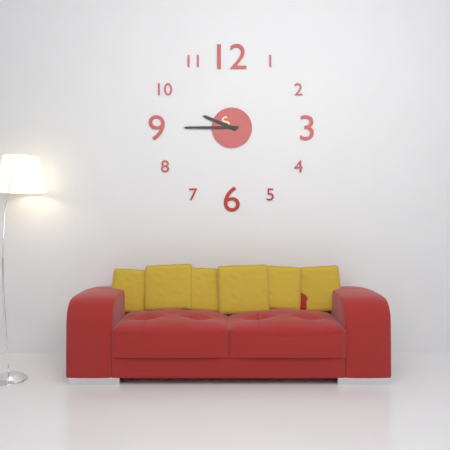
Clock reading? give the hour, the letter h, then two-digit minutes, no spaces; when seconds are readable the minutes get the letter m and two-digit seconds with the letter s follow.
9h45
